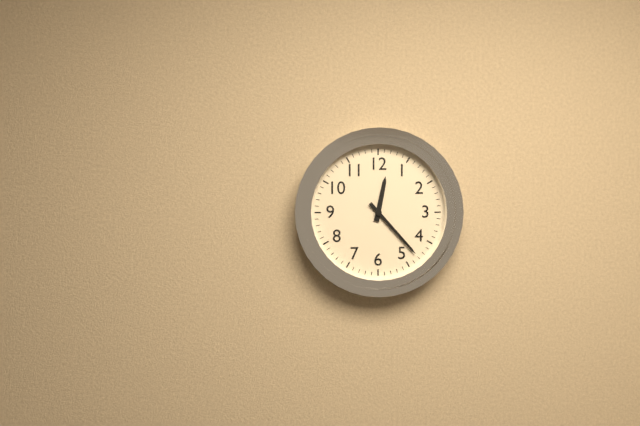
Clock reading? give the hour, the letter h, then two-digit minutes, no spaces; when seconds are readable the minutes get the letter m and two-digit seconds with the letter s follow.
12h23
